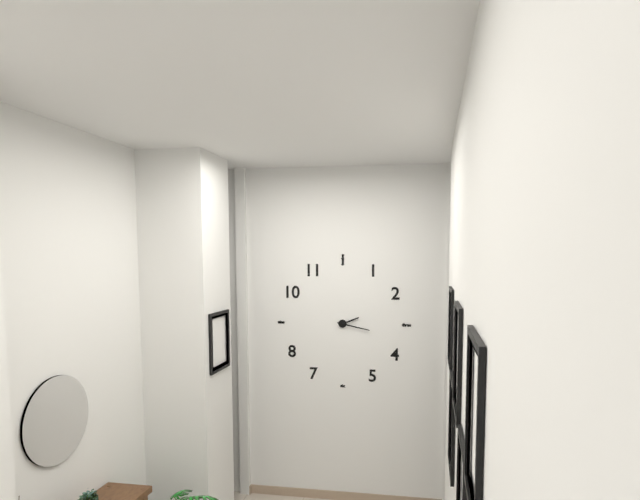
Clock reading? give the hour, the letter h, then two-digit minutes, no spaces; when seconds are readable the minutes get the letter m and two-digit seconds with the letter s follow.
2h17
